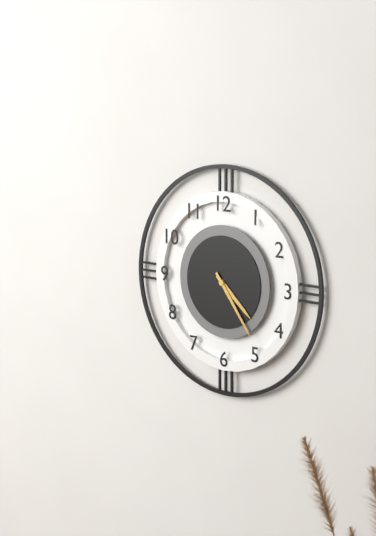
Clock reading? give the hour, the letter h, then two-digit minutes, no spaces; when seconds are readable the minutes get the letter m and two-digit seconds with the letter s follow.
4h24
